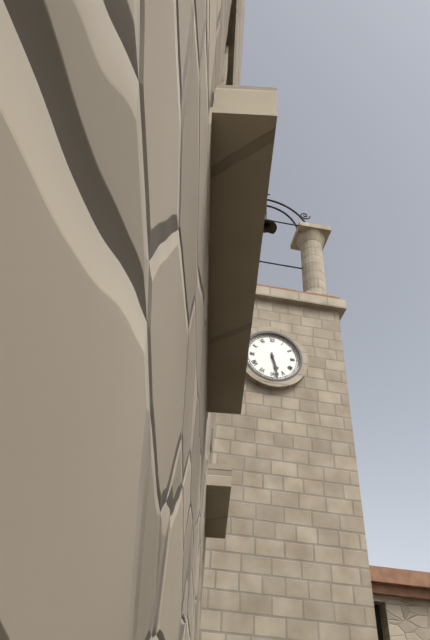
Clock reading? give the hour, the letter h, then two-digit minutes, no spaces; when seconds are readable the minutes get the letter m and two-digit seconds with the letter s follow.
5h28
